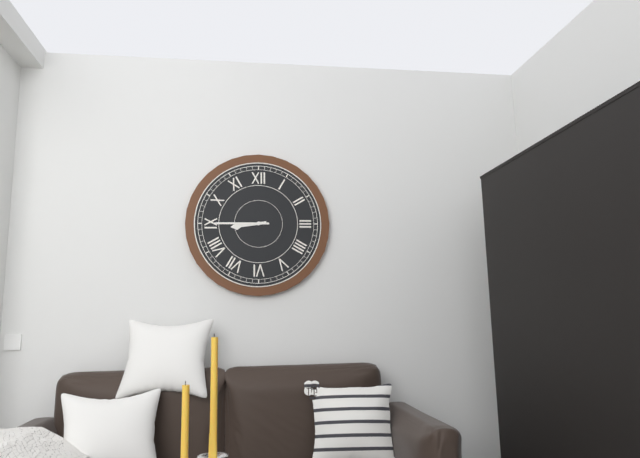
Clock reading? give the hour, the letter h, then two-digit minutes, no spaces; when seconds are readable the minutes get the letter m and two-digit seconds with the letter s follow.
8h45
